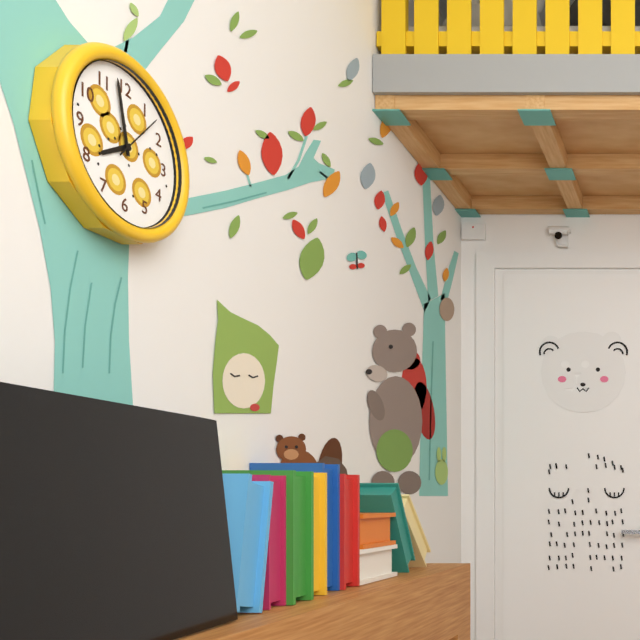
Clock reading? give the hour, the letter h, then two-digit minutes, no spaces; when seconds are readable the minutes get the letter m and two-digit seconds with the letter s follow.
7h58m07s
